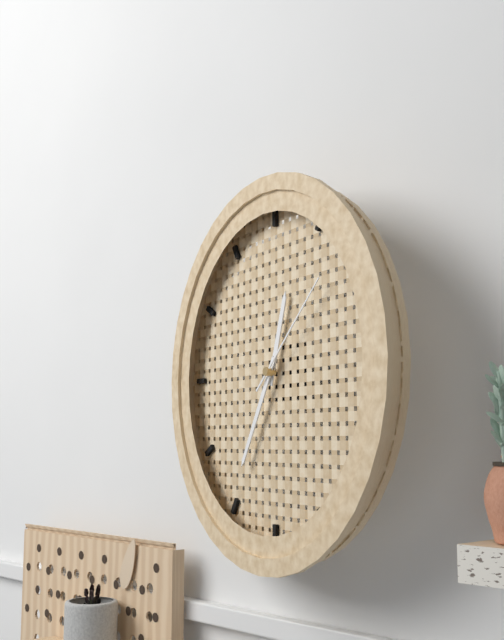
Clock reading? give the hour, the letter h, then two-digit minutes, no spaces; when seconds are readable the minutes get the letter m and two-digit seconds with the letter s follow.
12h35m08s
